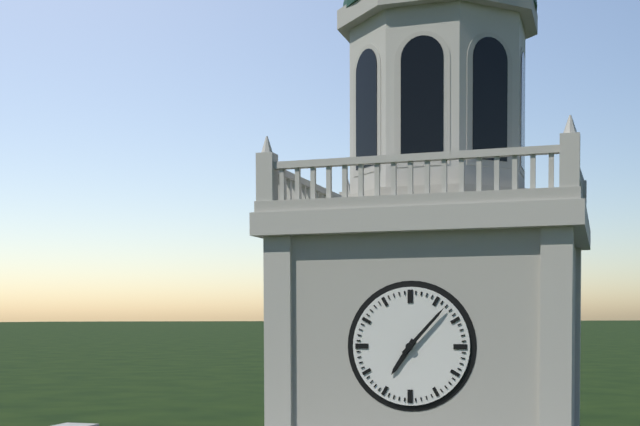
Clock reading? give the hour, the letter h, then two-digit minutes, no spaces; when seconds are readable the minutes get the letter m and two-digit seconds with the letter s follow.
7h07
